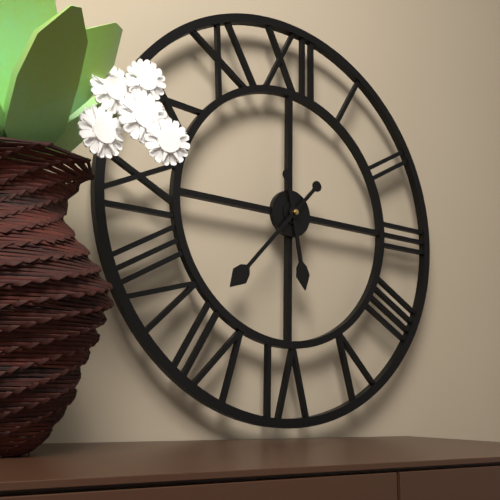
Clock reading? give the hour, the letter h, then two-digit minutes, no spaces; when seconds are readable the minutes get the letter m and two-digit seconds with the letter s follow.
5h37
